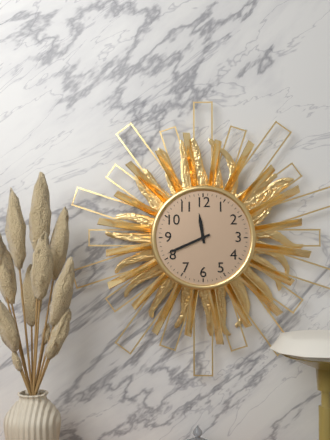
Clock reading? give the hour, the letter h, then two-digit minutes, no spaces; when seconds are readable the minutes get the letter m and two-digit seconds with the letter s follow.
11h41
